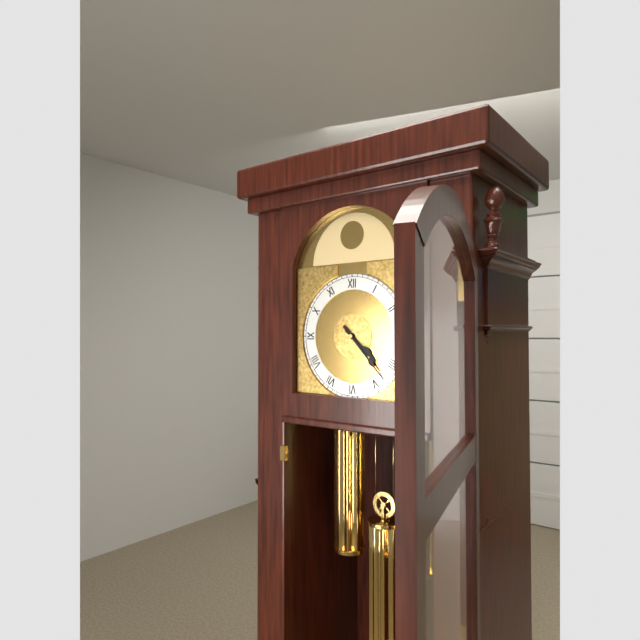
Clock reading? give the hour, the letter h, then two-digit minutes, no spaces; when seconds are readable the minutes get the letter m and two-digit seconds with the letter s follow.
4h23
